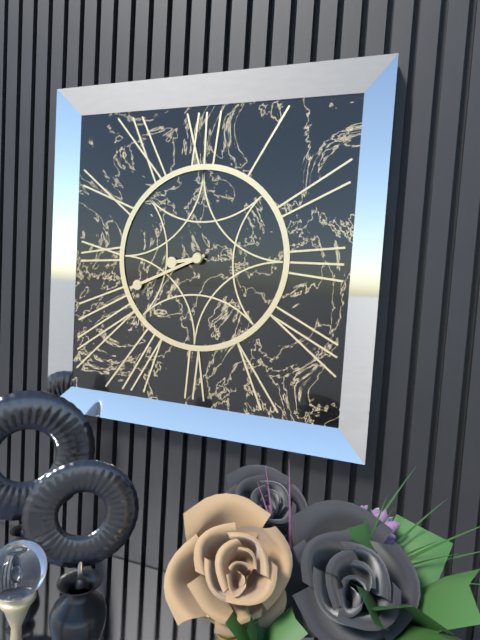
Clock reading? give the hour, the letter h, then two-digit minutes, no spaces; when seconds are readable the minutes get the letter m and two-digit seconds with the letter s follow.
8h41
